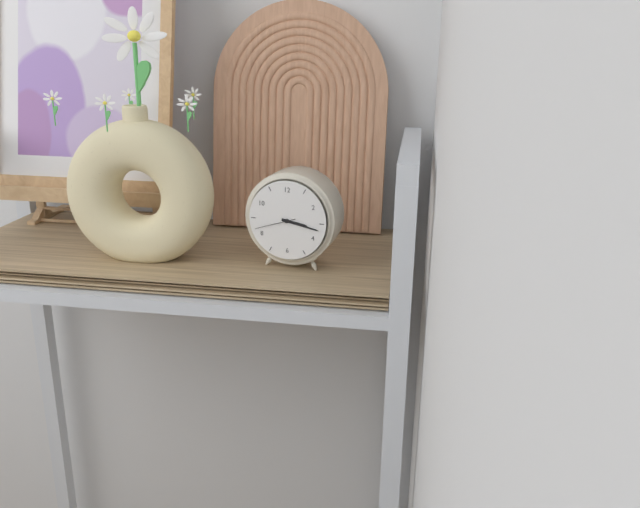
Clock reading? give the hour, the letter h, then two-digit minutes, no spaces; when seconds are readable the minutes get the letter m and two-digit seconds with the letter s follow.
3h17
